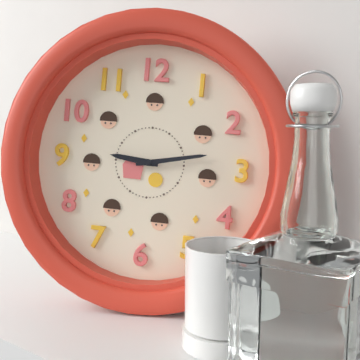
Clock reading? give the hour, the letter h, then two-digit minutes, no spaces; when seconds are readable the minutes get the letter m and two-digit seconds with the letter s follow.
9h13
